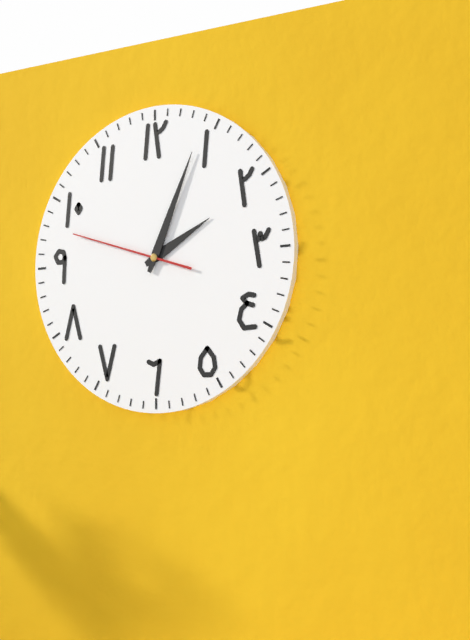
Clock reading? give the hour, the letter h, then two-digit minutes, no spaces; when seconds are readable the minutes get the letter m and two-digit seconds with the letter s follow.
2h04m48s
